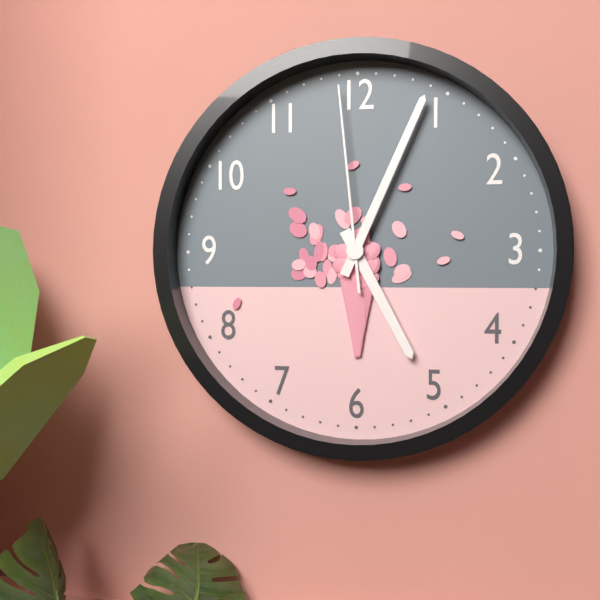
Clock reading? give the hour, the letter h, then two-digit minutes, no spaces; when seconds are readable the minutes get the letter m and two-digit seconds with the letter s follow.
5h04m59s
